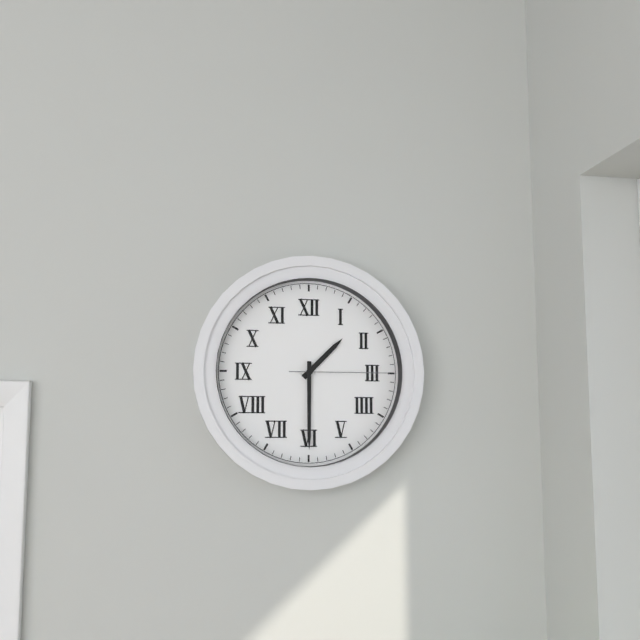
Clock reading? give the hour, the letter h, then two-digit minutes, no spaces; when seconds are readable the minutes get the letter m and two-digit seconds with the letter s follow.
1h30m15s
